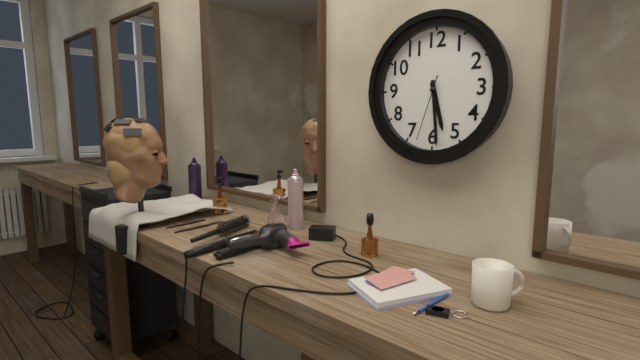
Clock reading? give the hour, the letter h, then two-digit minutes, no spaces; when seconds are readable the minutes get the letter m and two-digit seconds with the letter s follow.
5h29m33s
